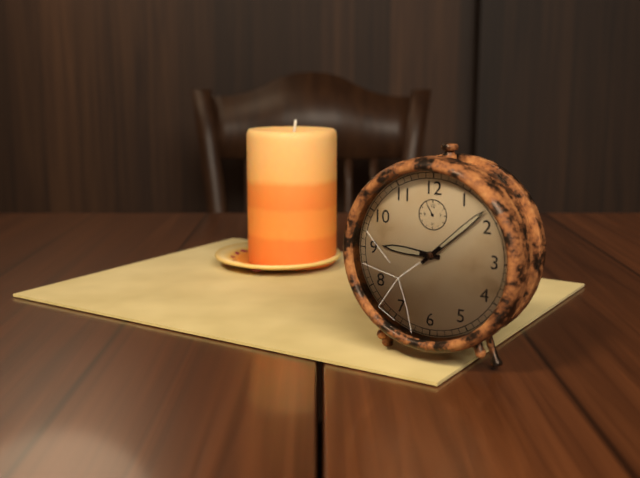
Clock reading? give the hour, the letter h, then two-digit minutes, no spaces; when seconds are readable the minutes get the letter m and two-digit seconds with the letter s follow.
9h08
